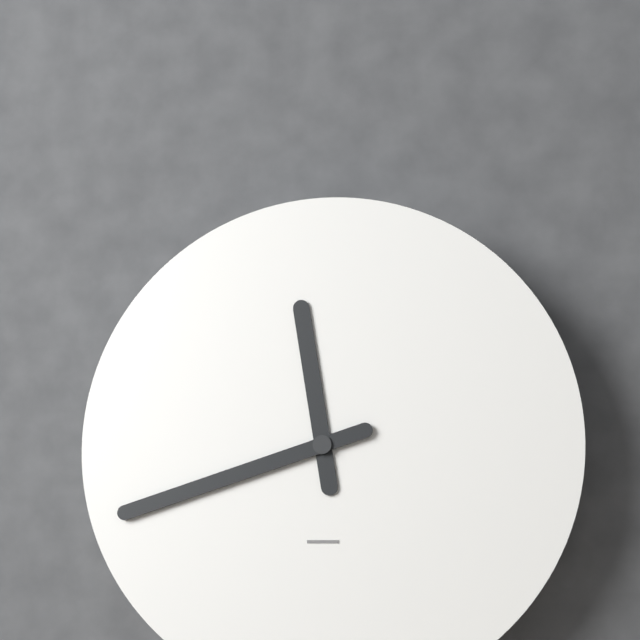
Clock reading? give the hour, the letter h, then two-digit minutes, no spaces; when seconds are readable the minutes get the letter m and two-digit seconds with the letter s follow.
11h42
